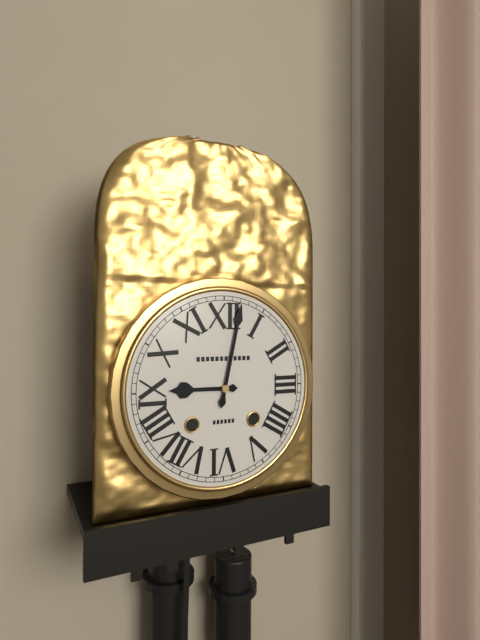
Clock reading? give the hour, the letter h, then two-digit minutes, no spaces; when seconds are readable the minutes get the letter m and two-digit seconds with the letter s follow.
9h02
